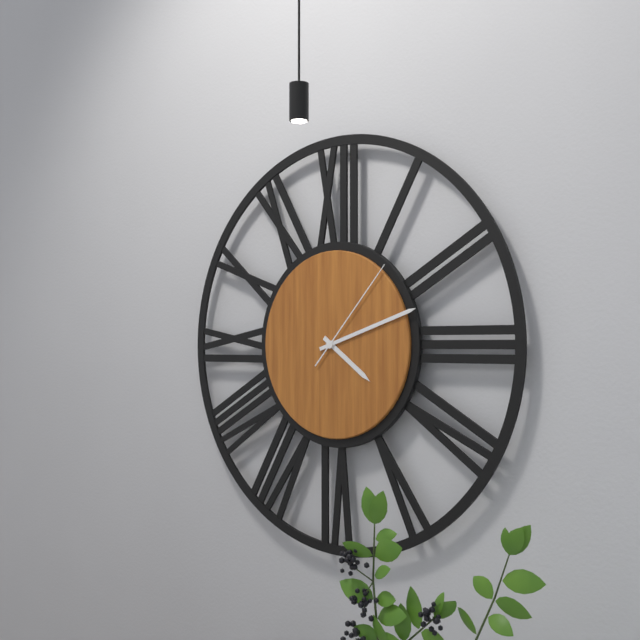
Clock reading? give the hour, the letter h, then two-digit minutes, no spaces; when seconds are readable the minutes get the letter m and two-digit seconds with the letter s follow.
4h12m07s
